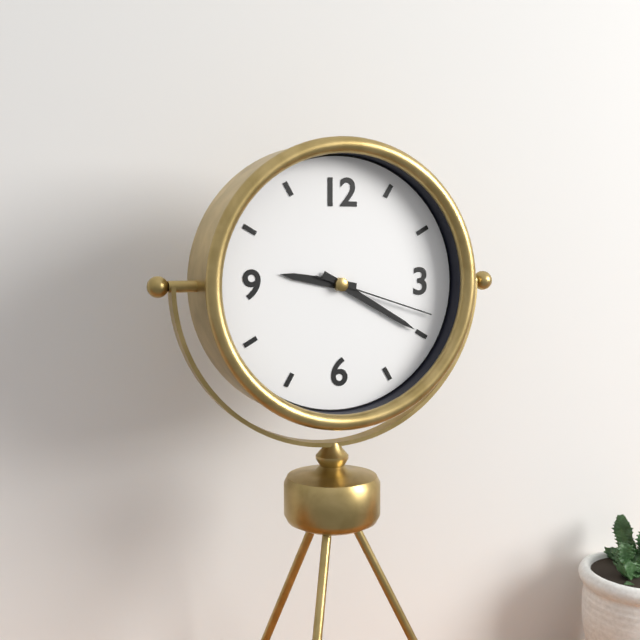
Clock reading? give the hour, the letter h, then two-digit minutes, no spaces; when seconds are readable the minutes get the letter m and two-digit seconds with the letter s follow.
9h20m18s
